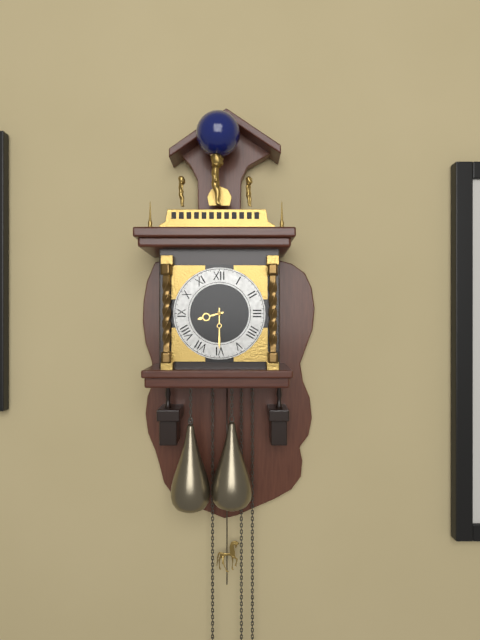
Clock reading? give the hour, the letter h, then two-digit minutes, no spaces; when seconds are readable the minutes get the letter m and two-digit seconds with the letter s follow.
8h30
